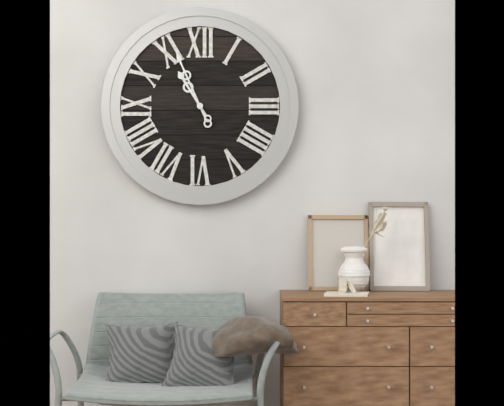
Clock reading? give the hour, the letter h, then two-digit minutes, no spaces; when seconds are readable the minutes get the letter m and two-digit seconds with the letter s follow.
10h56
